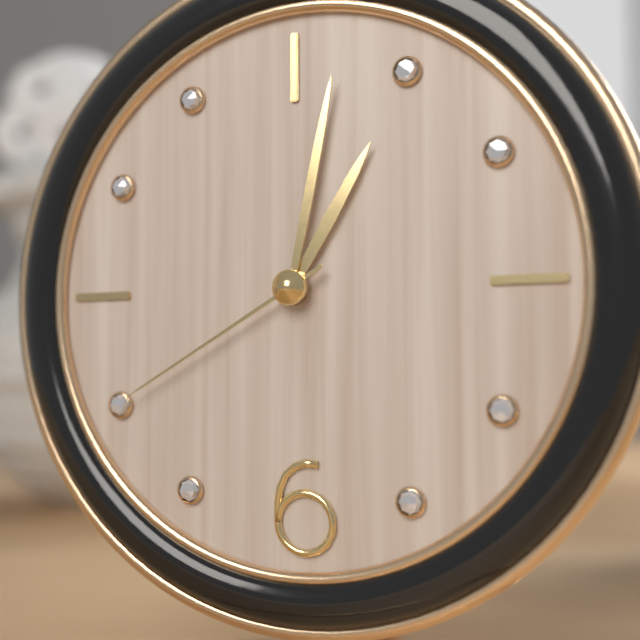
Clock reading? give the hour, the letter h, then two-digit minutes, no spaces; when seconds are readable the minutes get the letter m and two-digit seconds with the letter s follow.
1h02m40s
